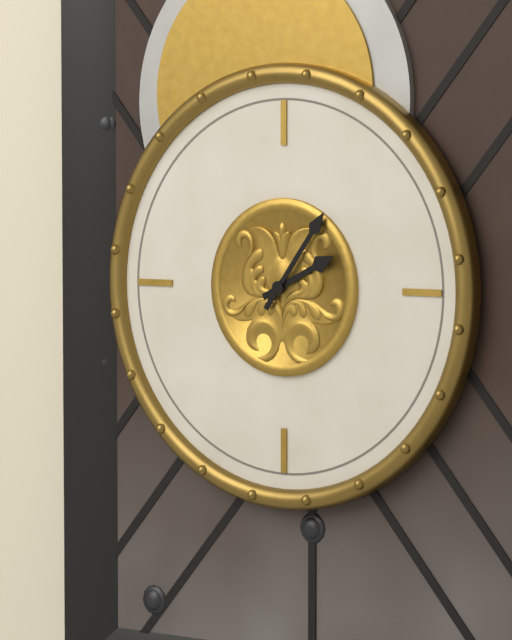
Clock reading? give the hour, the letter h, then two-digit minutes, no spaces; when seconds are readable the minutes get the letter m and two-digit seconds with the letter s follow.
2h06
